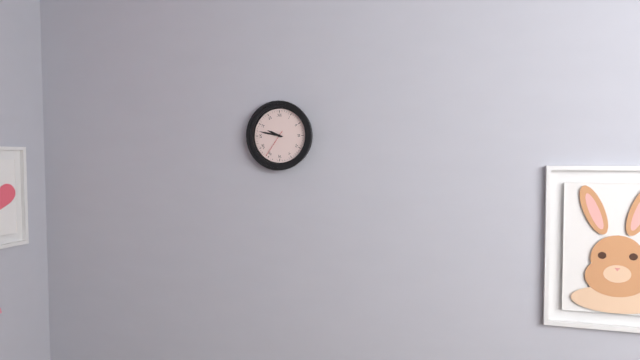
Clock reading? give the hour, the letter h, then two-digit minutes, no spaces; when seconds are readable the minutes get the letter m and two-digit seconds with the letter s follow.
9h47
